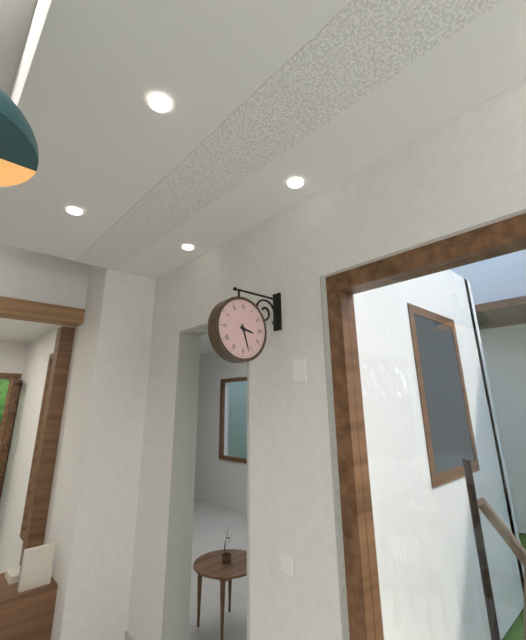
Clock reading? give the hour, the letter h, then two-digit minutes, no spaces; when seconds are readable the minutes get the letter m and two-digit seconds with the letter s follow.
3h27
